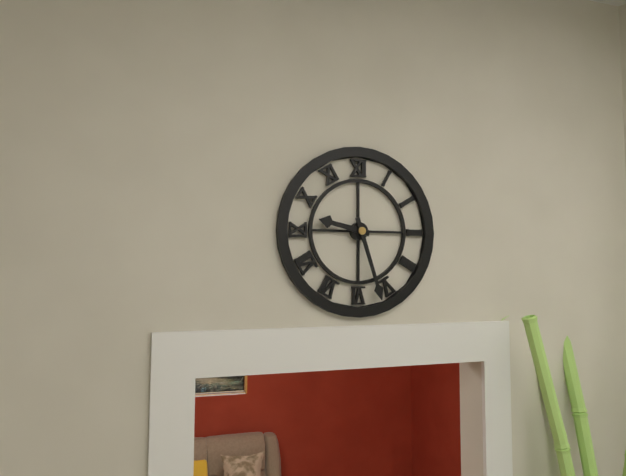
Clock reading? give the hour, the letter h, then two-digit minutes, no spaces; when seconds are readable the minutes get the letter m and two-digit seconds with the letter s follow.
9h27
